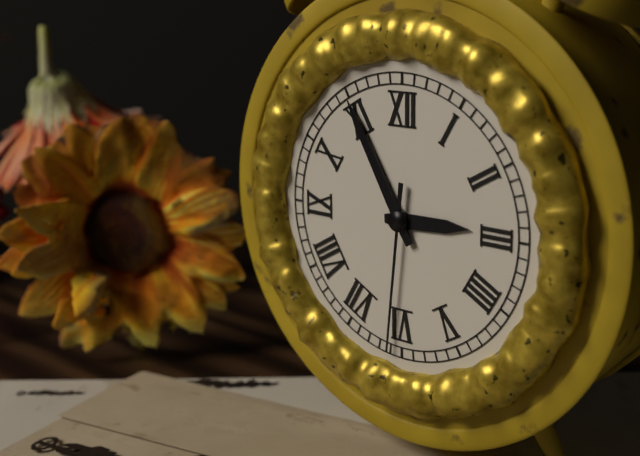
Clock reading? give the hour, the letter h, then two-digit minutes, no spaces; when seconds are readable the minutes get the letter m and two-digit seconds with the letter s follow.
2h55m31s
